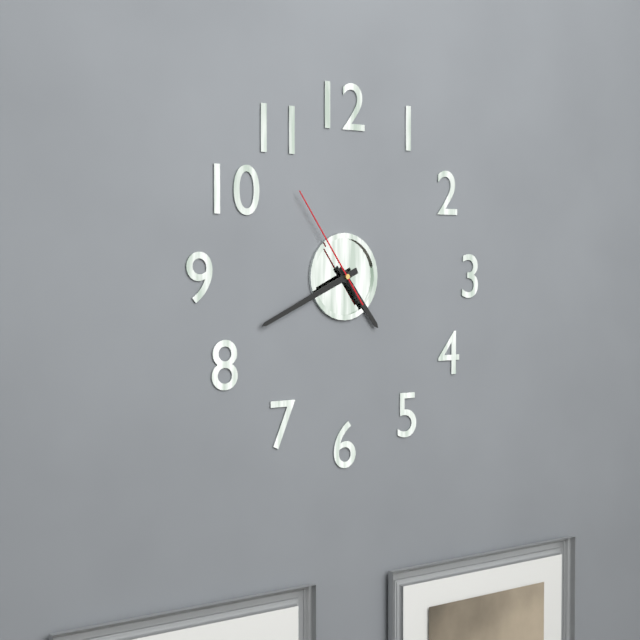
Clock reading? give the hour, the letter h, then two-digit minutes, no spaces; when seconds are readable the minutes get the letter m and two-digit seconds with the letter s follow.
4h41m54s
